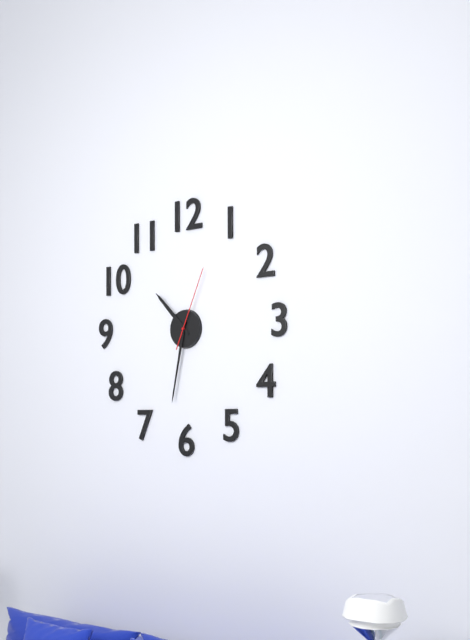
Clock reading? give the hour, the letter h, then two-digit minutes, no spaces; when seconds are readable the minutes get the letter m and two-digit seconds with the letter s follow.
10h32m04s
